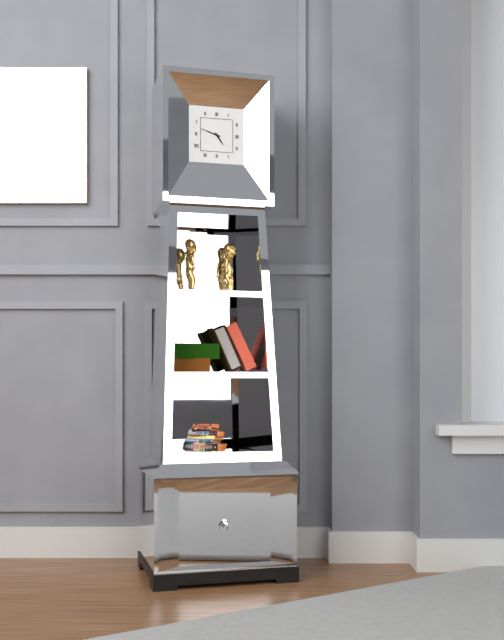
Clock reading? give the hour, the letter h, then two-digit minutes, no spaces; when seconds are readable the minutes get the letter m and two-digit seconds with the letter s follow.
4h48
